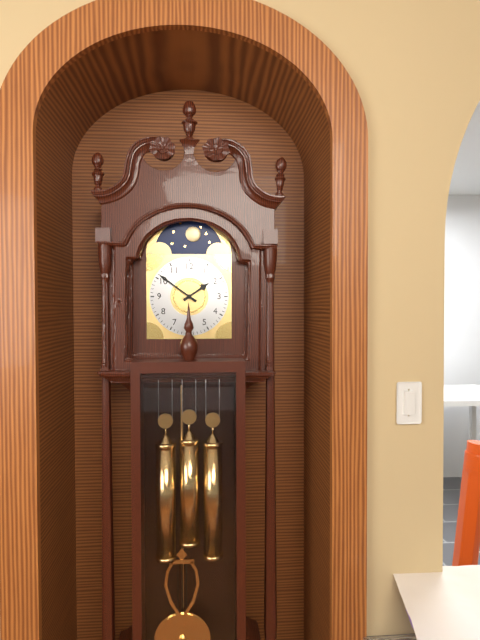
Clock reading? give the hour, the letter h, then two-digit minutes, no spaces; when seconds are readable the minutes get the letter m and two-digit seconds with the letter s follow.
1h51
